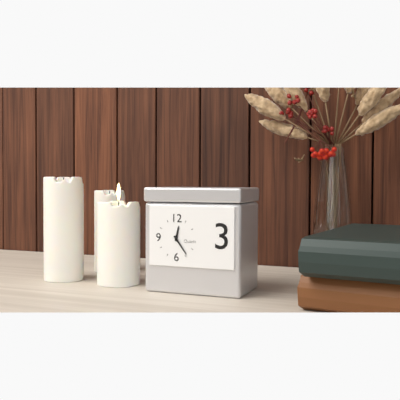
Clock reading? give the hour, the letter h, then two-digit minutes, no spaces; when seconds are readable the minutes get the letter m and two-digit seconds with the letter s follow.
12h24
